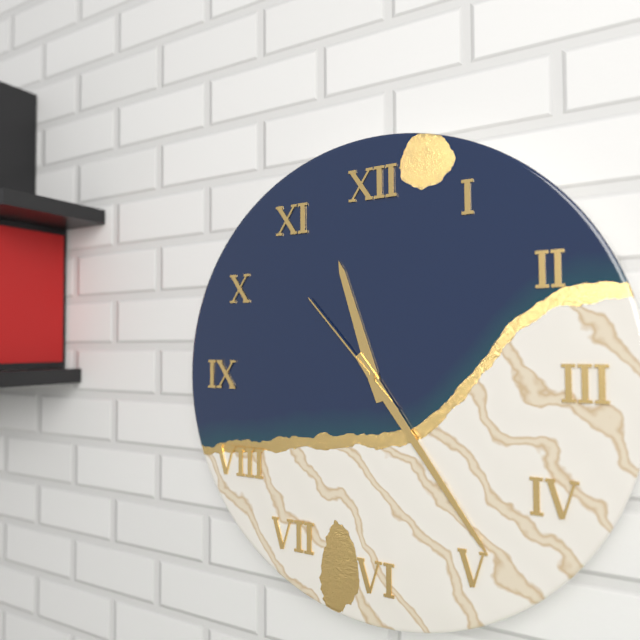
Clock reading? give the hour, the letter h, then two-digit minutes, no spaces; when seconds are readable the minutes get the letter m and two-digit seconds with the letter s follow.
11h24m53s
